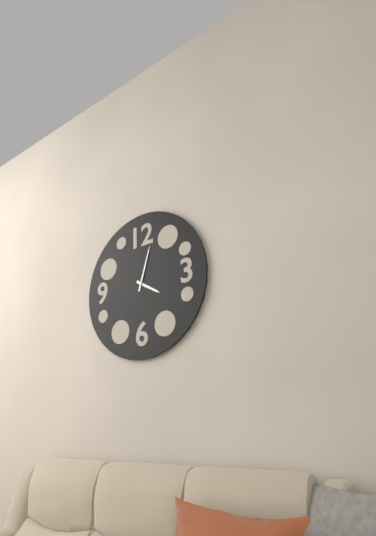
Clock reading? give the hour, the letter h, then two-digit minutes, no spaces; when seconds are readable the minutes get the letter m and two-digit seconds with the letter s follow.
4h03
